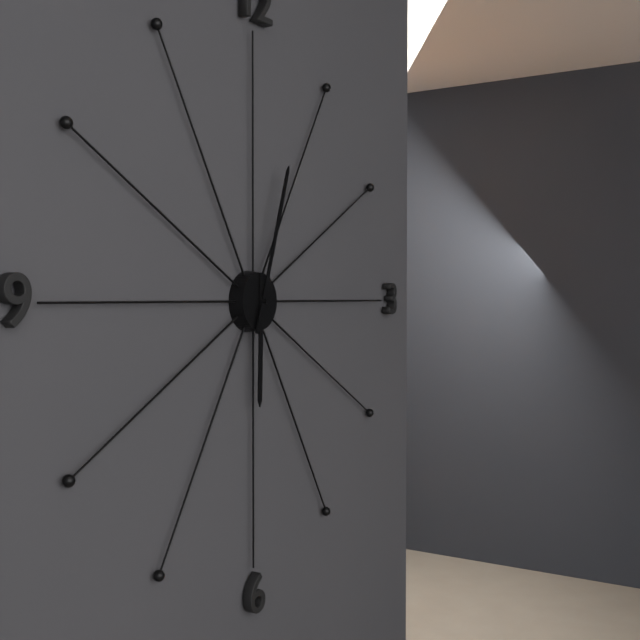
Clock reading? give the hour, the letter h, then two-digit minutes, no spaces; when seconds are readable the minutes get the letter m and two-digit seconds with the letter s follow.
6h03
